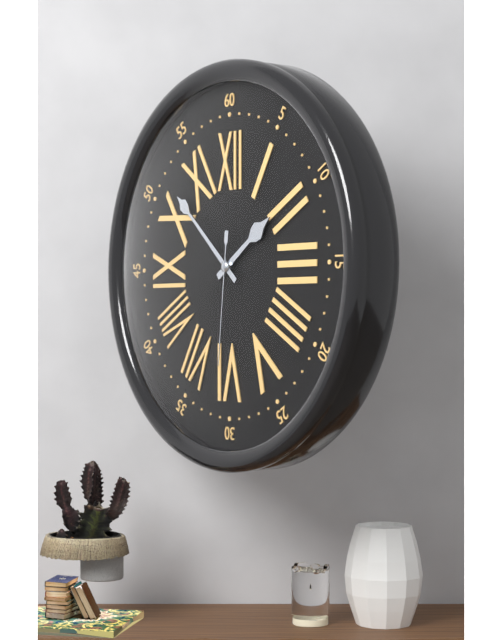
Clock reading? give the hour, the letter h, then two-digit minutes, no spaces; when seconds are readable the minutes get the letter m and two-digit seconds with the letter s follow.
1h52m31s
